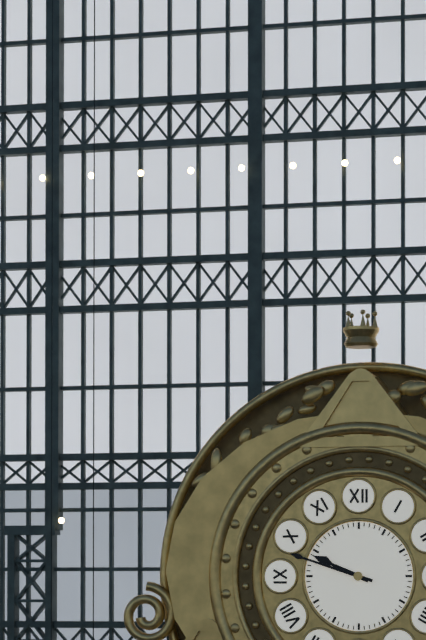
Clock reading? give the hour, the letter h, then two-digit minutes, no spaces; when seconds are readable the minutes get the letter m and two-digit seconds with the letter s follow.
9h48
